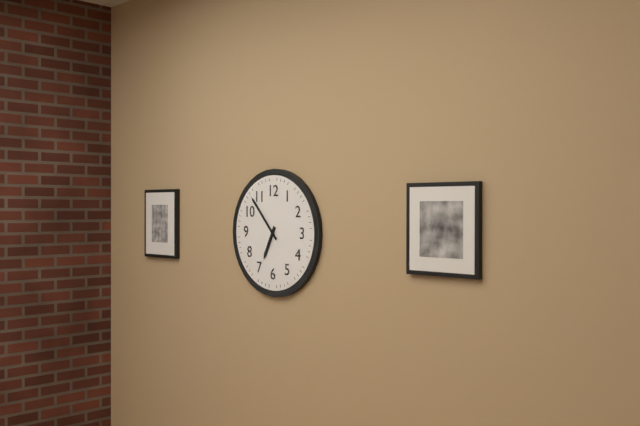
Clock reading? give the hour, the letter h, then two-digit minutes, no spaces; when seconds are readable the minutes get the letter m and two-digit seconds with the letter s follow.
6h53
